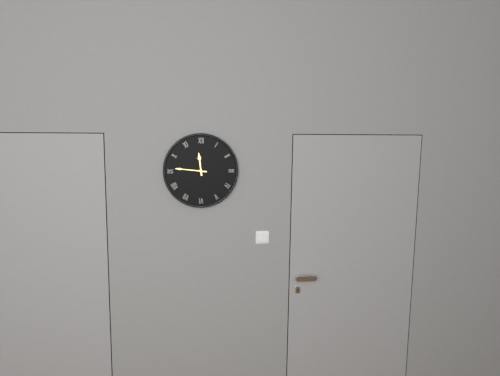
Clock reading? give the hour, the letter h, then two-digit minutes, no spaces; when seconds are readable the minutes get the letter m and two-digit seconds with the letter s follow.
11h46
